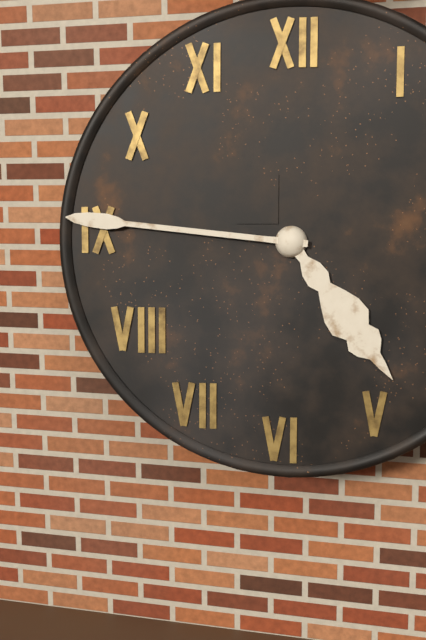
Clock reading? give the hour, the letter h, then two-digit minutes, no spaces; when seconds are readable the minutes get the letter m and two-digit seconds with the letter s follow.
4h46
